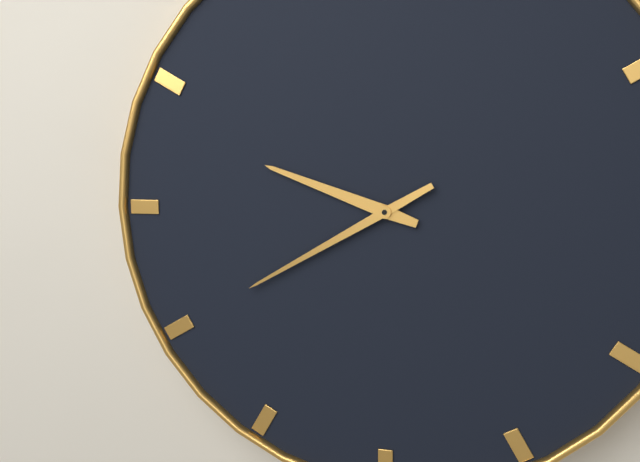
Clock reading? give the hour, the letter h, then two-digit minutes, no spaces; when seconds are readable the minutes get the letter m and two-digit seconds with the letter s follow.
9h40
